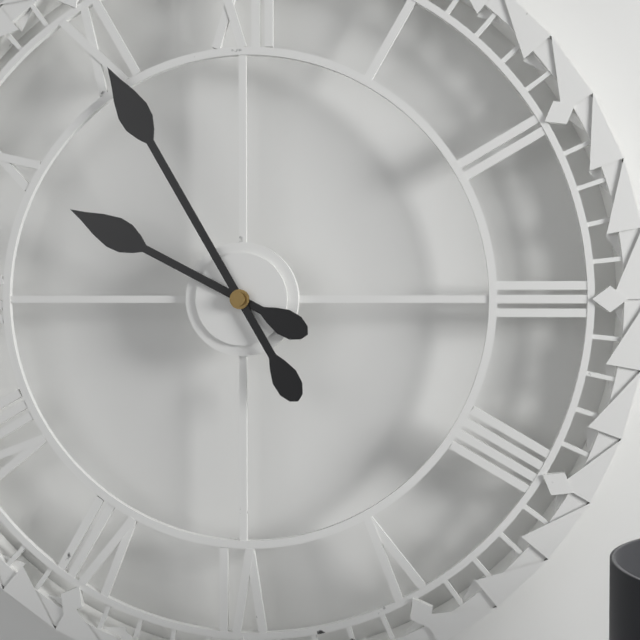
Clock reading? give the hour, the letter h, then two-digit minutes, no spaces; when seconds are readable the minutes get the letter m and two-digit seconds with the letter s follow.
9h55
